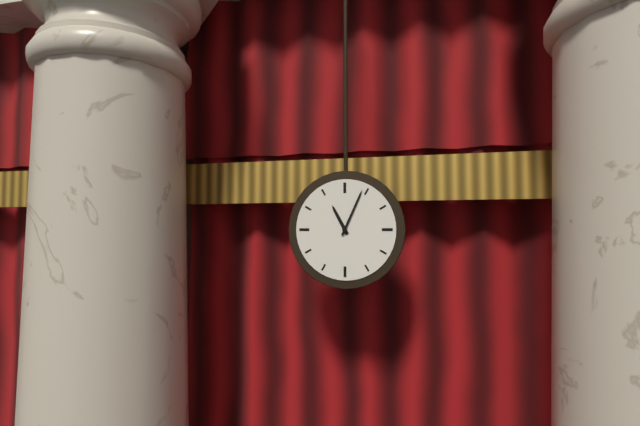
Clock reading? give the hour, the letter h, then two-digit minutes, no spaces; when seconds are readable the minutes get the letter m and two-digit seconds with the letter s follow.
11h04
